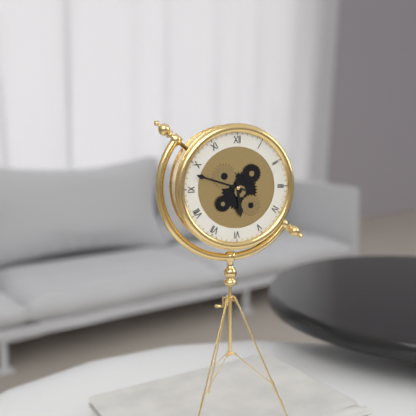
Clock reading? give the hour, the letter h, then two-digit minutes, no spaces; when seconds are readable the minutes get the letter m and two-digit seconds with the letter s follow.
5h48
